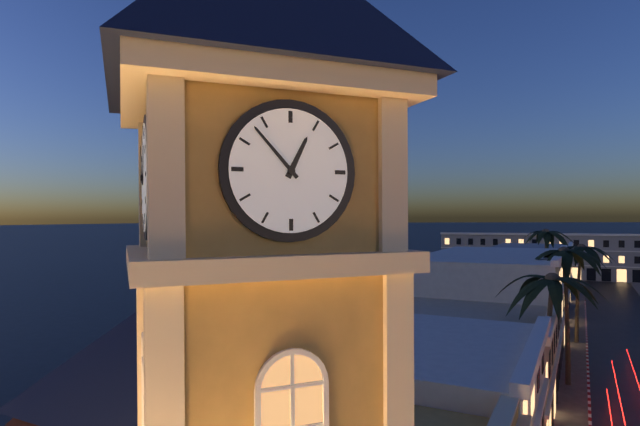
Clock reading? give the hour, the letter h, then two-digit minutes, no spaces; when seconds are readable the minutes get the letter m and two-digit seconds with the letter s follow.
12h53
